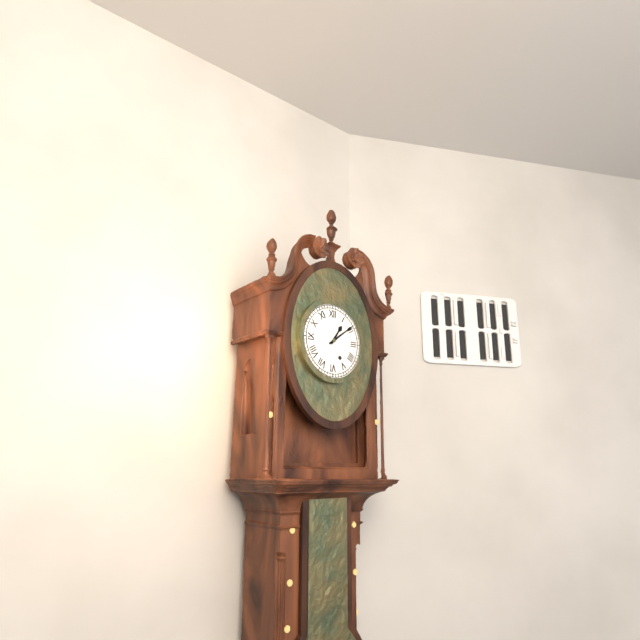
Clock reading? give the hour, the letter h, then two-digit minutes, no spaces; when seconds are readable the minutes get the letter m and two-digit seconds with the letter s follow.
1h09
